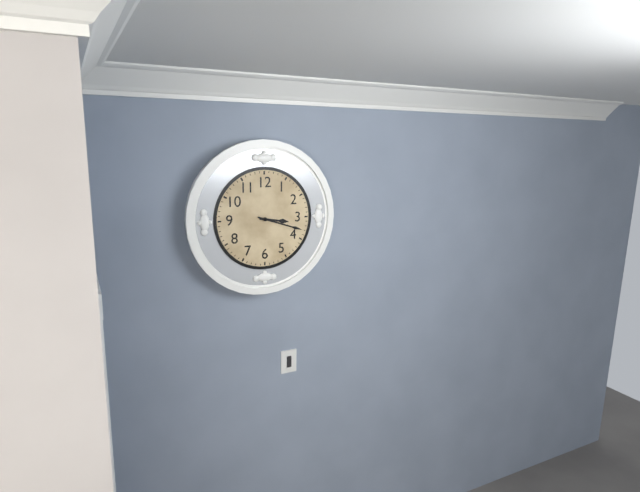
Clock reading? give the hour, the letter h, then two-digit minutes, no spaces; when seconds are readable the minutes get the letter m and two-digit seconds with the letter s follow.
3h18
